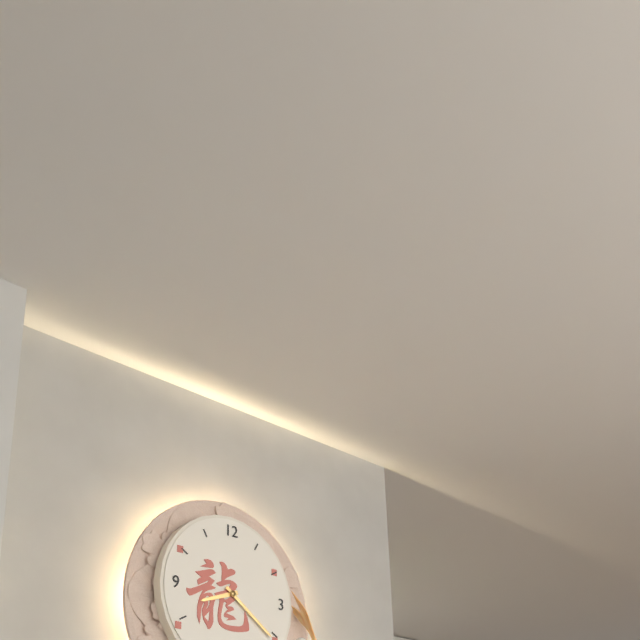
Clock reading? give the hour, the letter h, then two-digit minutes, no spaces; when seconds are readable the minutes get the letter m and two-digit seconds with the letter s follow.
8h21
